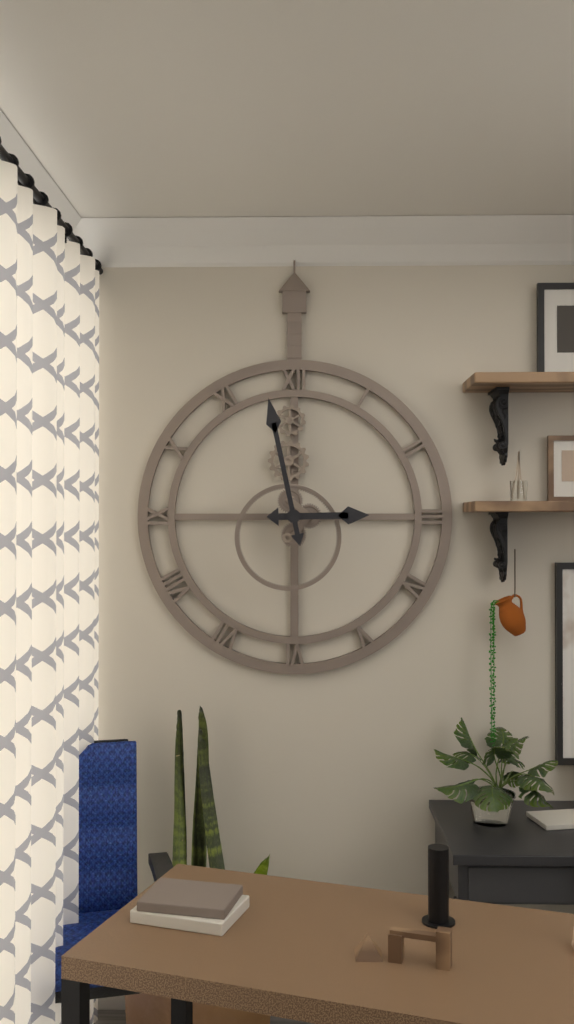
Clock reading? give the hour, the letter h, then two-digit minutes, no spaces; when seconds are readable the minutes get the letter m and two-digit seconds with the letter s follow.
2h58
